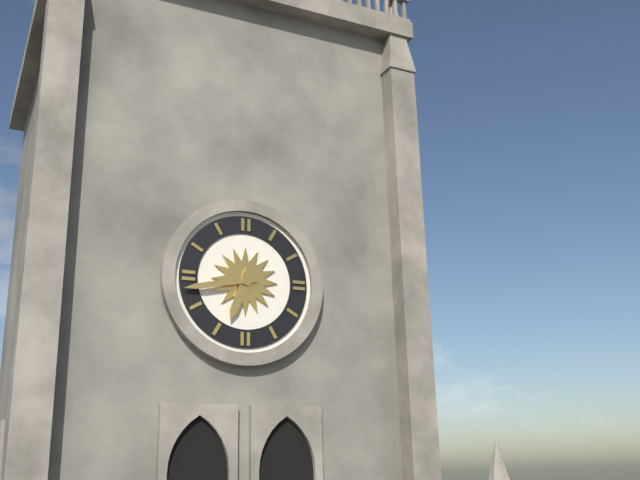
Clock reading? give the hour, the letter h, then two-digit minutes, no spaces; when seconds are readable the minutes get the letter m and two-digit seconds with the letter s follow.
6h43
